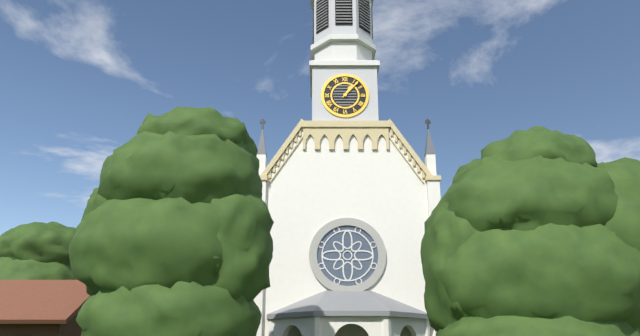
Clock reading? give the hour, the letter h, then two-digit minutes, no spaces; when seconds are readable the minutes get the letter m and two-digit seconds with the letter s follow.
1h07
